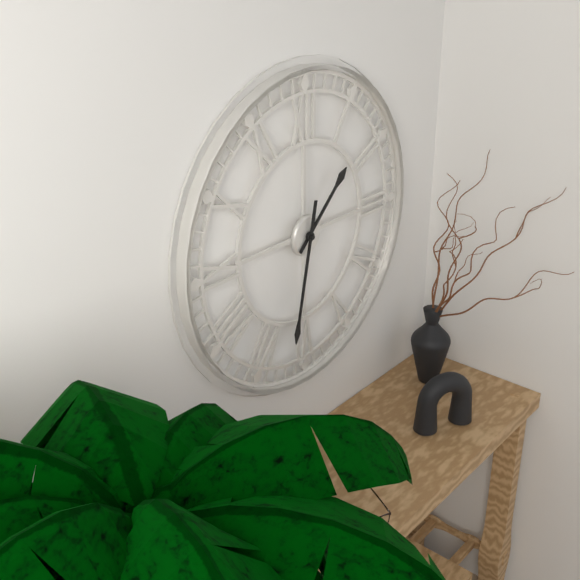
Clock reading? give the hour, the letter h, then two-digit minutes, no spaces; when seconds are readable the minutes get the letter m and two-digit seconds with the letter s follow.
1h32
